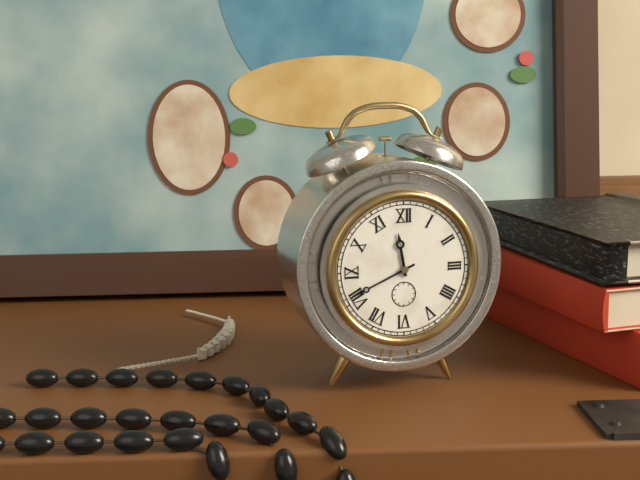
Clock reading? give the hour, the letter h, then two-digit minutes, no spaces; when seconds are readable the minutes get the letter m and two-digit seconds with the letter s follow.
11h41
